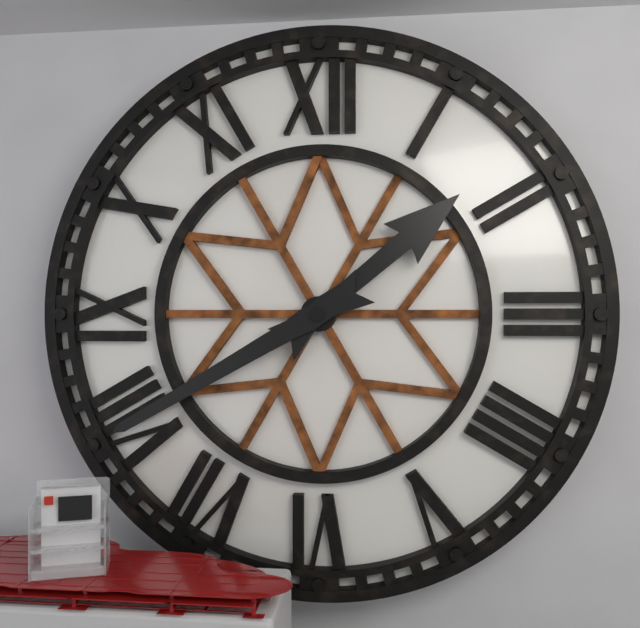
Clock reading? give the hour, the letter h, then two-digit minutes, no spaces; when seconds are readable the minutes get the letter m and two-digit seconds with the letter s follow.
1h40
